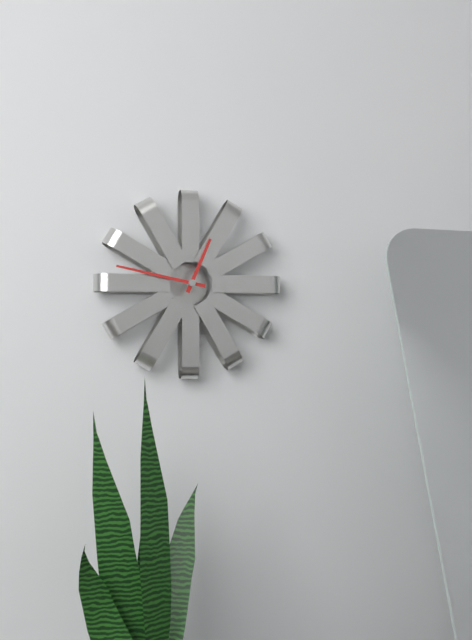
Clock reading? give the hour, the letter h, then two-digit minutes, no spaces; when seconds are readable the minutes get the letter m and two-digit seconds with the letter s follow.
12h47
